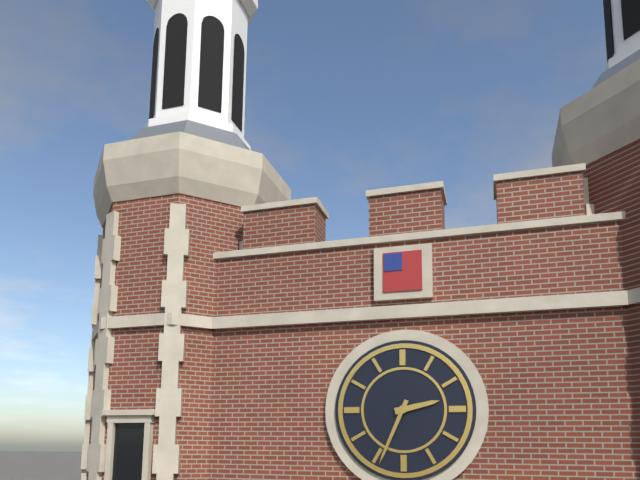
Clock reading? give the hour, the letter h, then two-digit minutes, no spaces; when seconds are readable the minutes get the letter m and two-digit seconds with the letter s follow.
2h34
